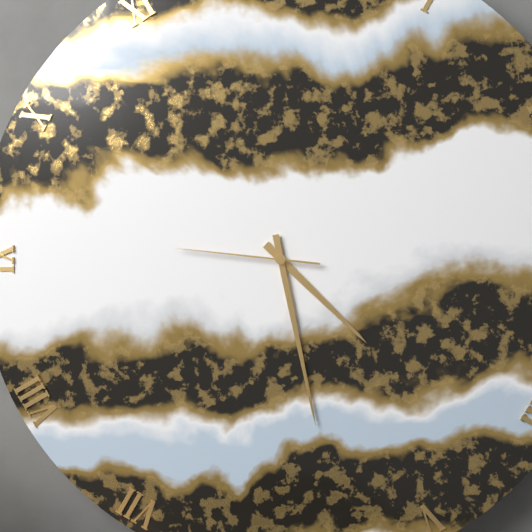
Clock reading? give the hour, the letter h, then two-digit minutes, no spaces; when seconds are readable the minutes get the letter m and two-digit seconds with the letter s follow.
4h28m46s
